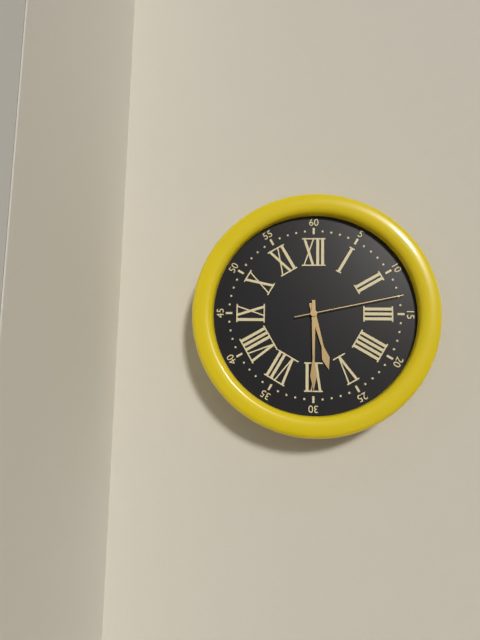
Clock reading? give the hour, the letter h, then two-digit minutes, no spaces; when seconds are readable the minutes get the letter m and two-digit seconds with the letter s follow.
5h30m13s
